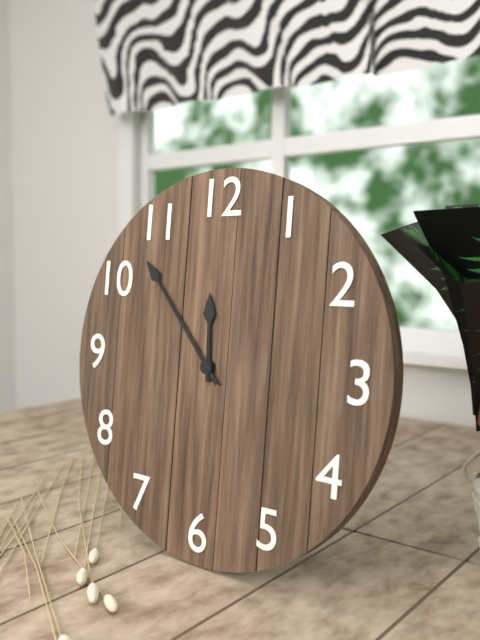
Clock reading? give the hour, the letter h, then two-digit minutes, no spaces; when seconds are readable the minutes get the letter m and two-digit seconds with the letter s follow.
11h53
